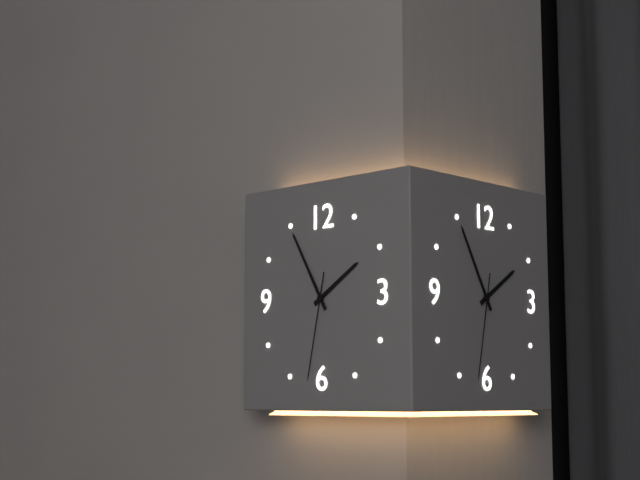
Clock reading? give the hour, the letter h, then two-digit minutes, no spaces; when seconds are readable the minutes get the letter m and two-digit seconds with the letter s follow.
1h55m32s
